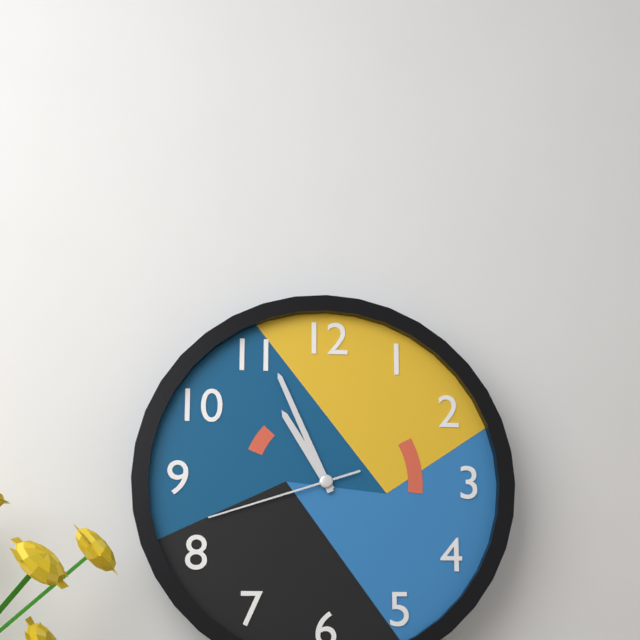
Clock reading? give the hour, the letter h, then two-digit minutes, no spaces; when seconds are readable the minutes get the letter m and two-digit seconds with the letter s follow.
10h56m42s
